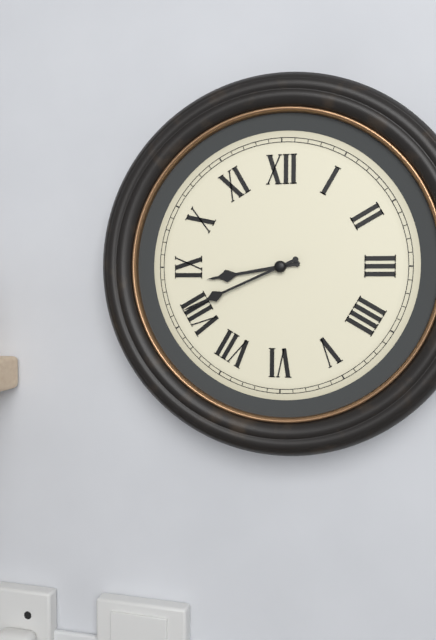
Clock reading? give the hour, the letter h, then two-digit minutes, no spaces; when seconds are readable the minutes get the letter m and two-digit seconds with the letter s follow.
8h41
